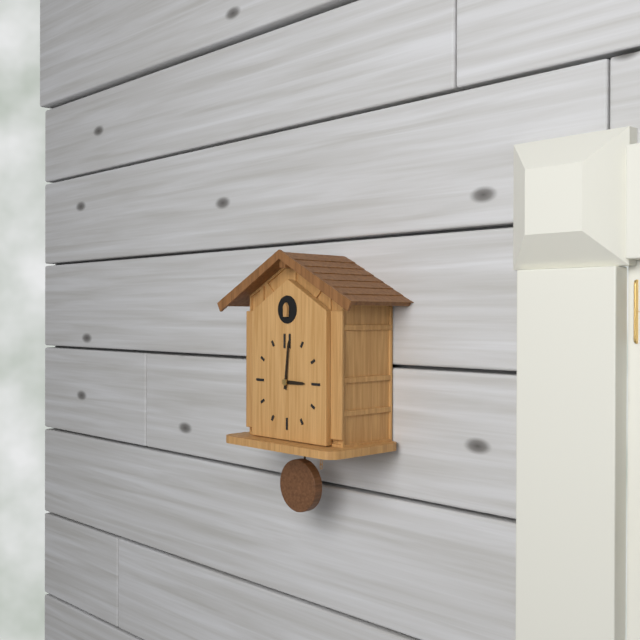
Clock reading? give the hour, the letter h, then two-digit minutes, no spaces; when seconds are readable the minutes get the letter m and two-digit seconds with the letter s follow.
3h01
